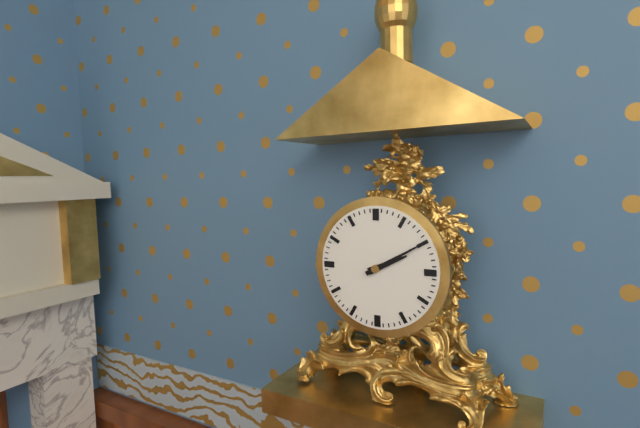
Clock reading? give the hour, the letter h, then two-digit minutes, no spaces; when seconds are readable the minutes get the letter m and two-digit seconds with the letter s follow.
2h10
